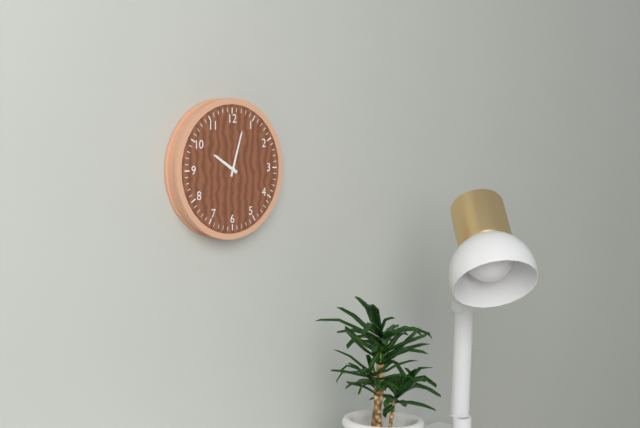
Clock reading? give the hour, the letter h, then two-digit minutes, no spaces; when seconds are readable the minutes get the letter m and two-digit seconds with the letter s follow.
10h03
